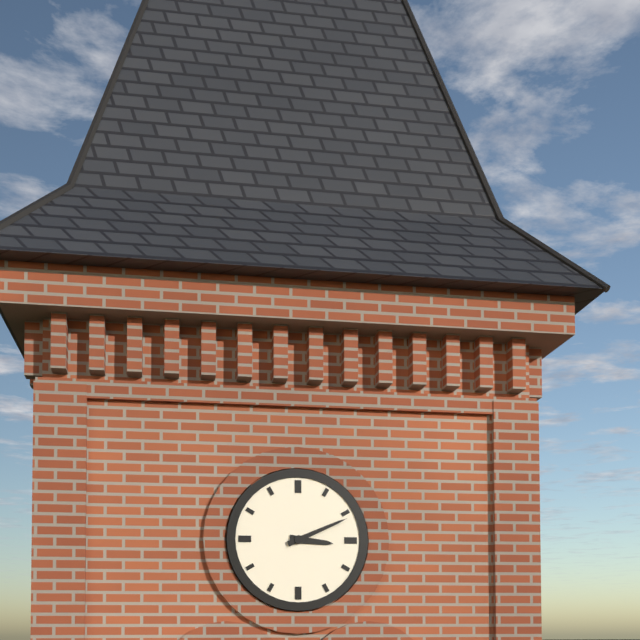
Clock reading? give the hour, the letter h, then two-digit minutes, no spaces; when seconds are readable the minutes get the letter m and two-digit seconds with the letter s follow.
3h11
